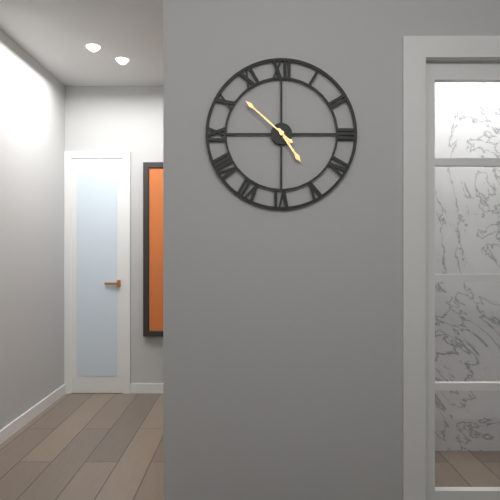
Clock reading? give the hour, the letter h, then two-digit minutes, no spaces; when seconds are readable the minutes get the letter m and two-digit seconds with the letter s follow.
4h52
